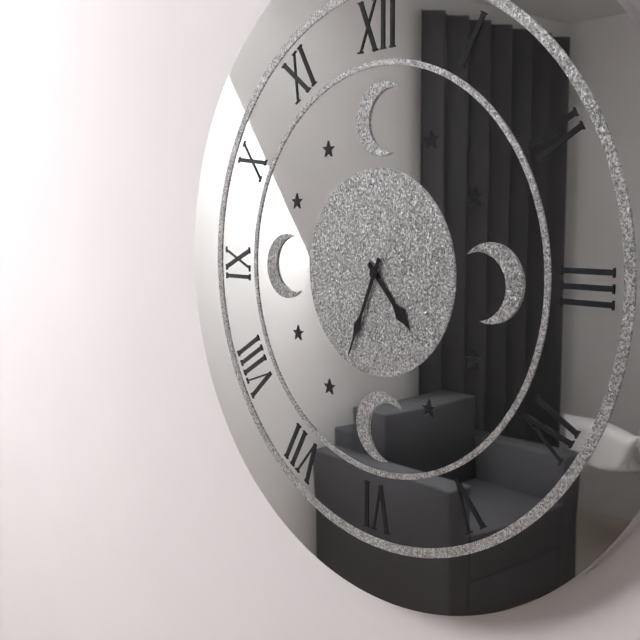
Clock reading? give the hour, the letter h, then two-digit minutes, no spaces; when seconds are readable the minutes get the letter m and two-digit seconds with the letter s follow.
4h34
